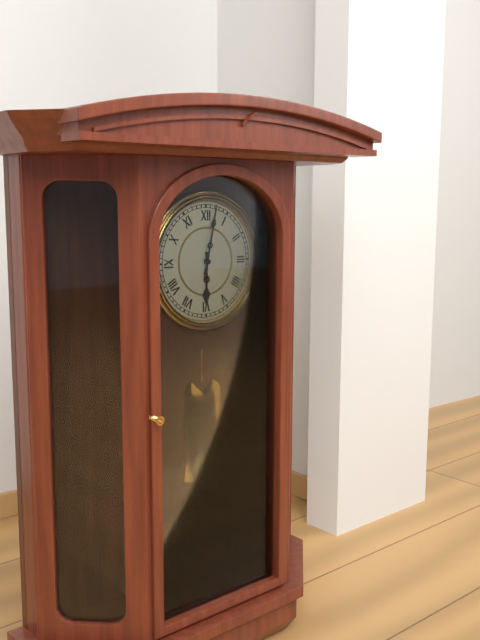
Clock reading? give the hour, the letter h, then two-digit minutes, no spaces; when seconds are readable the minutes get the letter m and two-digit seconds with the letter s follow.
6h02
